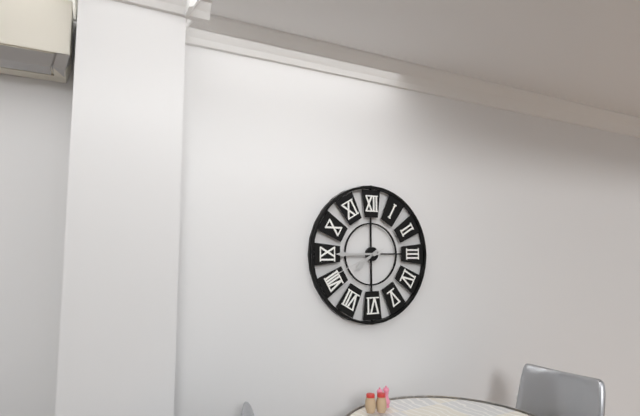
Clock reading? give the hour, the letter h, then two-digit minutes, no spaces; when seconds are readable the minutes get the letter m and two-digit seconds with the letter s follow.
7h45
